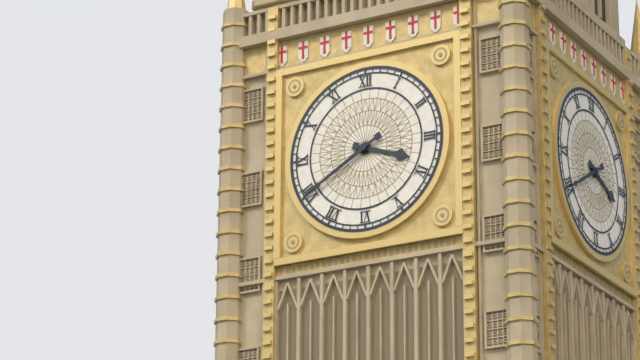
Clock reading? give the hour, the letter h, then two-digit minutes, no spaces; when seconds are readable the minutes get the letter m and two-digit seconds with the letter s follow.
3h40
